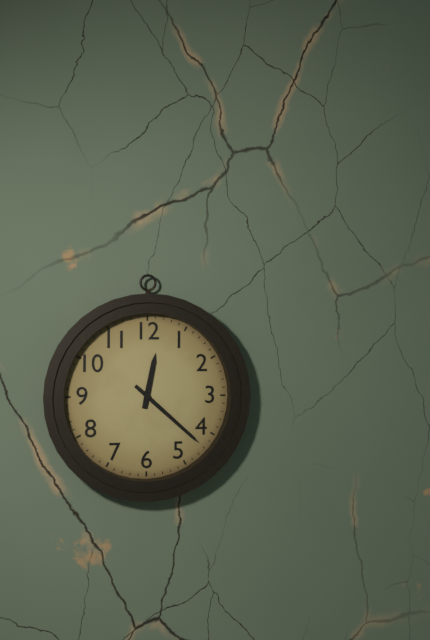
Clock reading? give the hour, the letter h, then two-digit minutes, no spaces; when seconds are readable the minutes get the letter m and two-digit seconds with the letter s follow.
12h22
